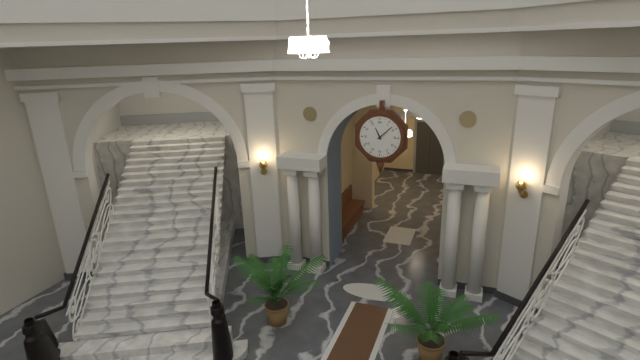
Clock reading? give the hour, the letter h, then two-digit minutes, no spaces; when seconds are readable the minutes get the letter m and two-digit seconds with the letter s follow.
11h08
